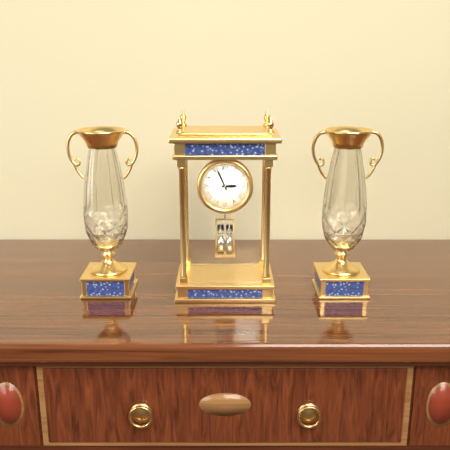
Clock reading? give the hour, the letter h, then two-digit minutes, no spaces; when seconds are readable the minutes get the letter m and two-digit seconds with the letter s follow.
2h56
